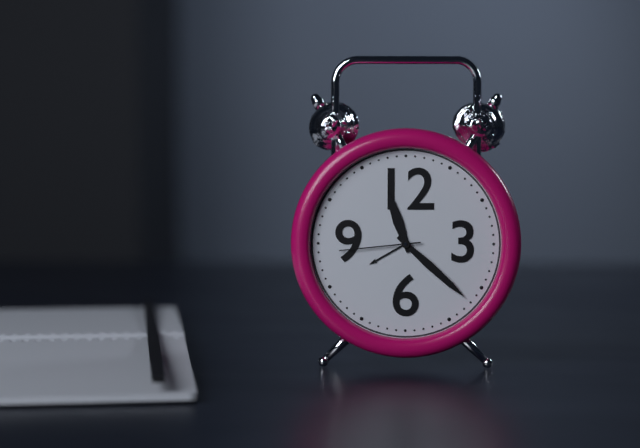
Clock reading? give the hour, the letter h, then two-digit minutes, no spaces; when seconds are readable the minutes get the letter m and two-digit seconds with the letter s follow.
11h22m44s
